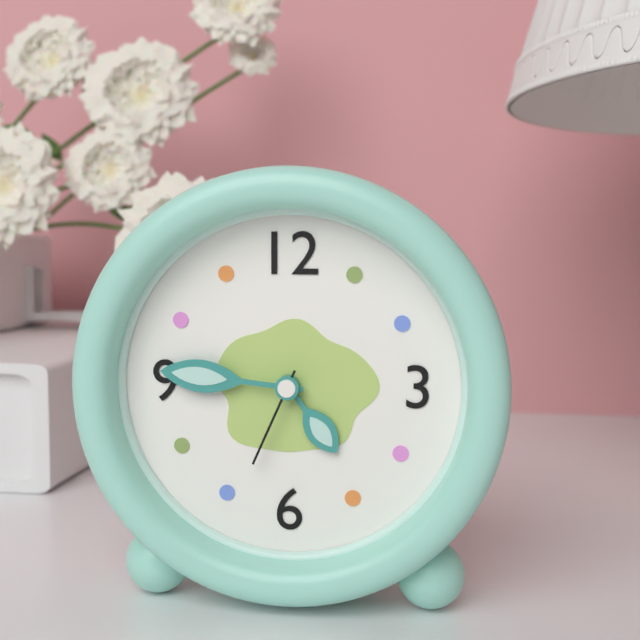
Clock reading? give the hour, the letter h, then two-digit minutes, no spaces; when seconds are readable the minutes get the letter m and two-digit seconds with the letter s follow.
4h46m34s
